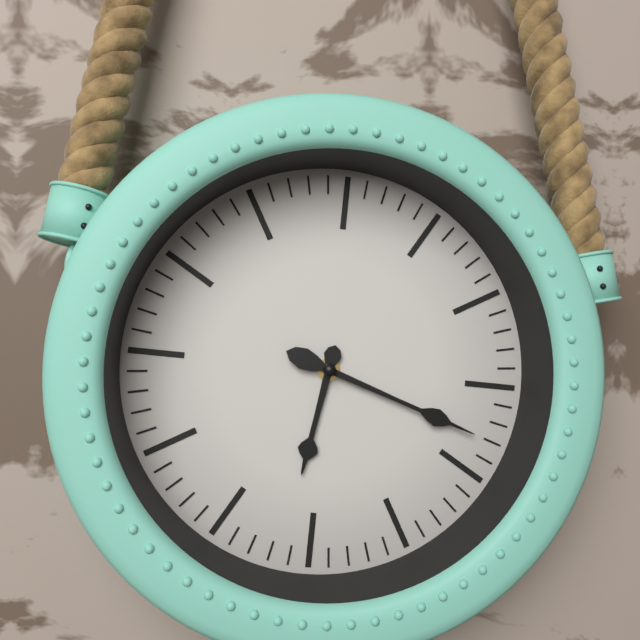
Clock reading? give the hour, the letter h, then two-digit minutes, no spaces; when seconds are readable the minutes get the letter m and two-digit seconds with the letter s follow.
6h18
